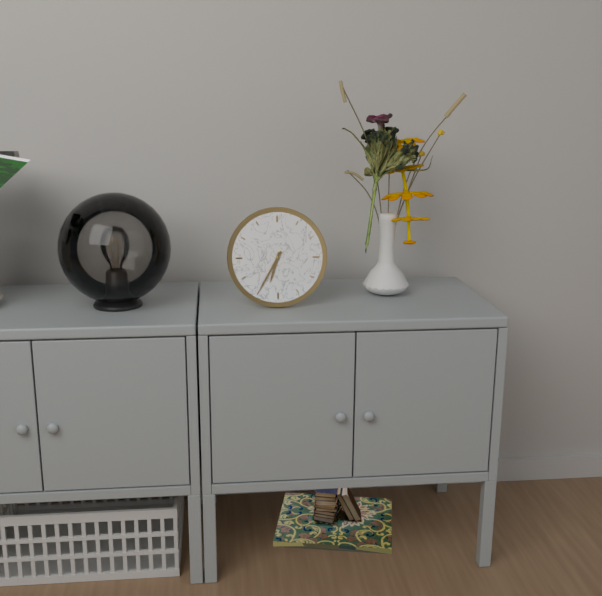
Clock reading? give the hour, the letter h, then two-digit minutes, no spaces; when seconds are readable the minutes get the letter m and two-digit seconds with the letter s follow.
6h35
